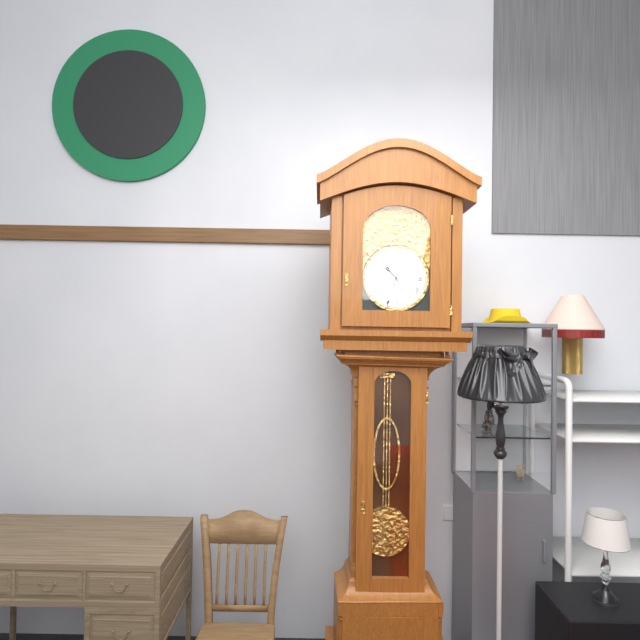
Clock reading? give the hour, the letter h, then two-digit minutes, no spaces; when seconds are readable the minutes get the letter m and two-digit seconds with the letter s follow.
10h33
